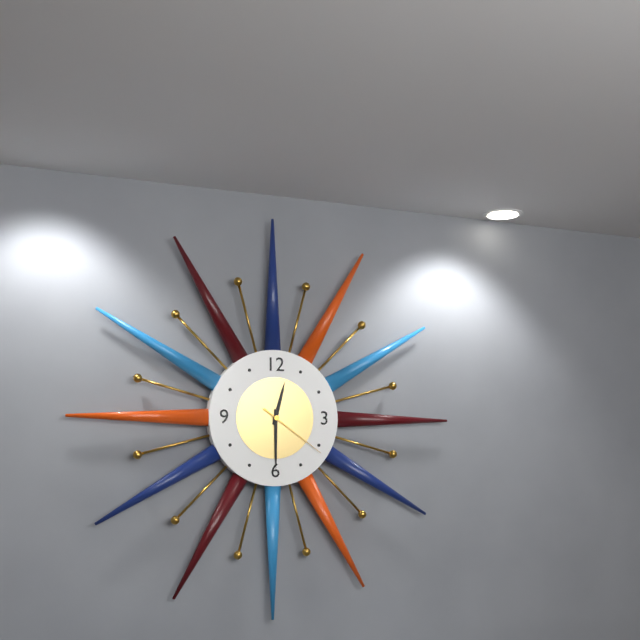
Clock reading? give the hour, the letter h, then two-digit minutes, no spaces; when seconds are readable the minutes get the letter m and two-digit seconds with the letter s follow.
12h30m21s
